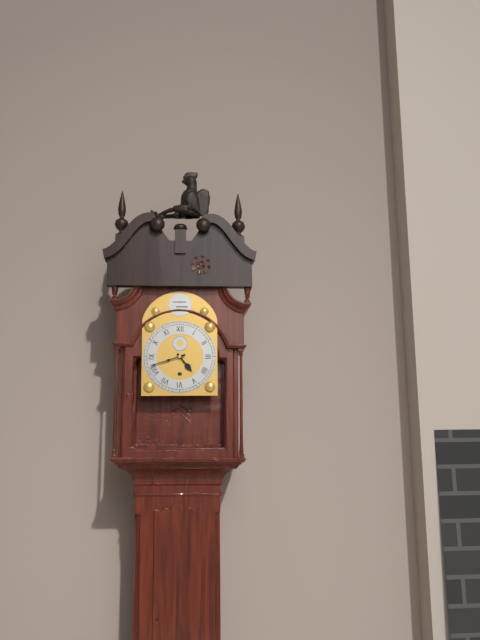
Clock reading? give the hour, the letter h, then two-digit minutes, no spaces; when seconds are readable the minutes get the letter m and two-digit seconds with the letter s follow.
4h42
